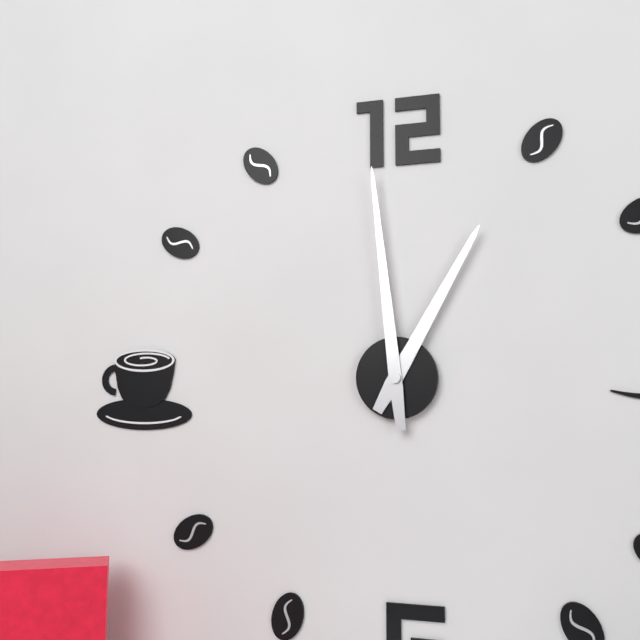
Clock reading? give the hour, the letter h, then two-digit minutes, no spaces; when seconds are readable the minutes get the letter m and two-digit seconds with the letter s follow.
12h59
